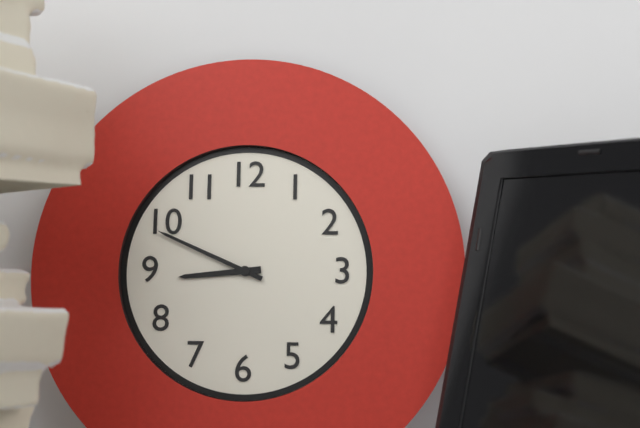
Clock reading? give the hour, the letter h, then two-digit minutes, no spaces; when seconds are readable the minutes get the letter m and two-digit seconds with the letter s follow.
8h49
